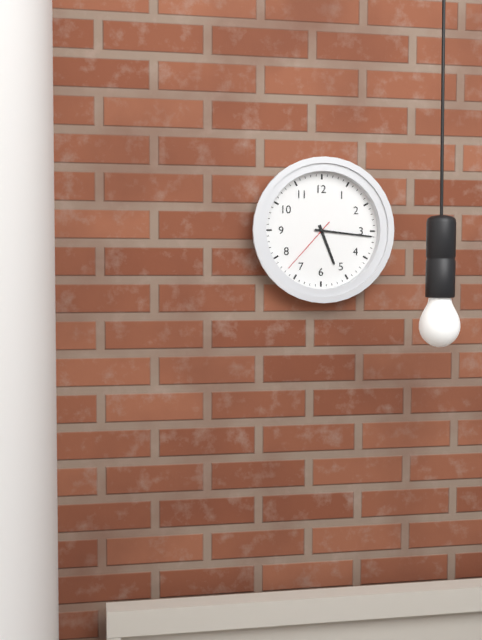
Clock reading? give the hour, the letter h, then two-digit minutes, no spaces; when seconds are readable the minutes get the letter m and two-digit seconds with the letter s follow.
5h16m37s
